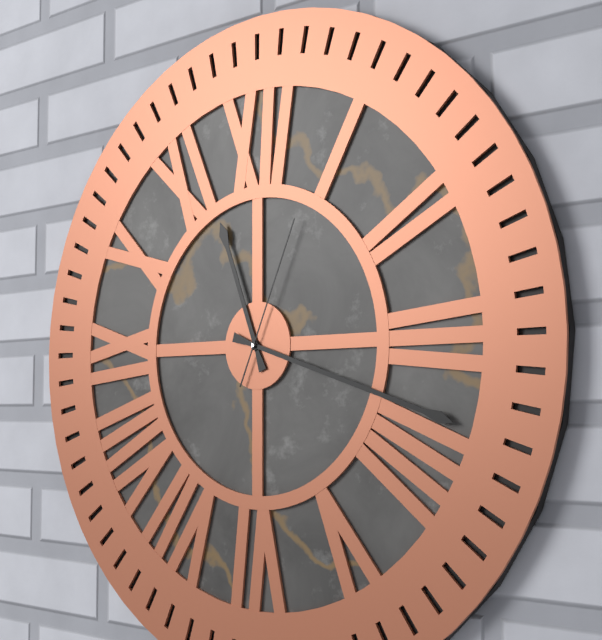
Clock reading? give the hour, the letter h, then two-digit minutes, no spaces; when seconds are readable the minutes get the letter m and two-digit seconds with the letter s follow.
11h18m04s
